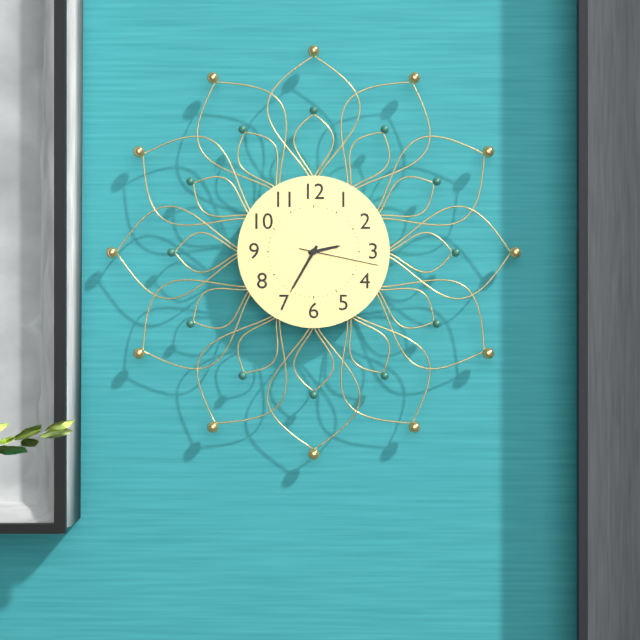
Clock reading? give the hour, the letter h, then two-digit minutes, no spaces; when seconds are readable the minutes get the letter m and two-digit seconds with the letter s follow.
2h35m17s
